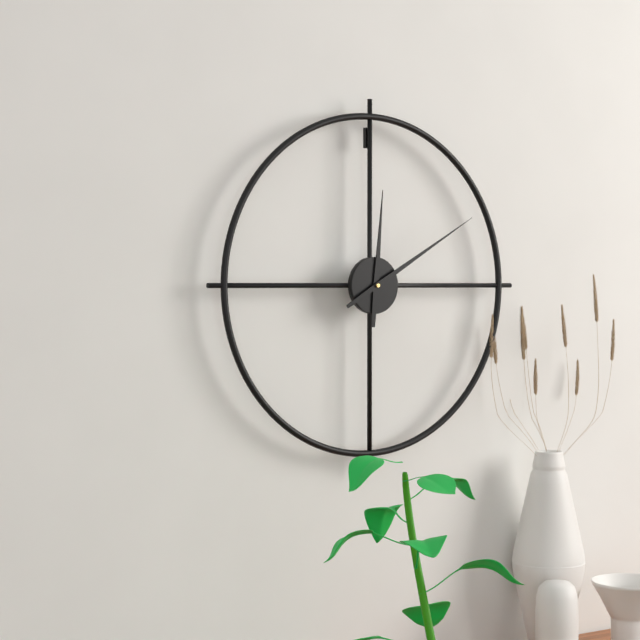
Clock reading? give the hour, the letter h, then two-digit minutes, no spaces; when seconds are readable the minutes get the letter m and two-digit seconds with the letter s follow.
12h10
